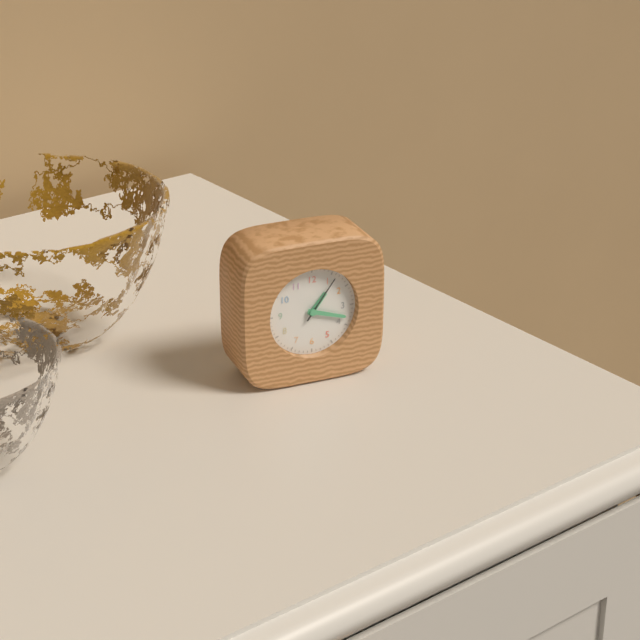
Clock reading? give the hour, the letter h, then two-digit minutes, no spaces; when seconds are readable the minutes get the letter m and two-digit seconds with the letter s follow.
1h18m06s
